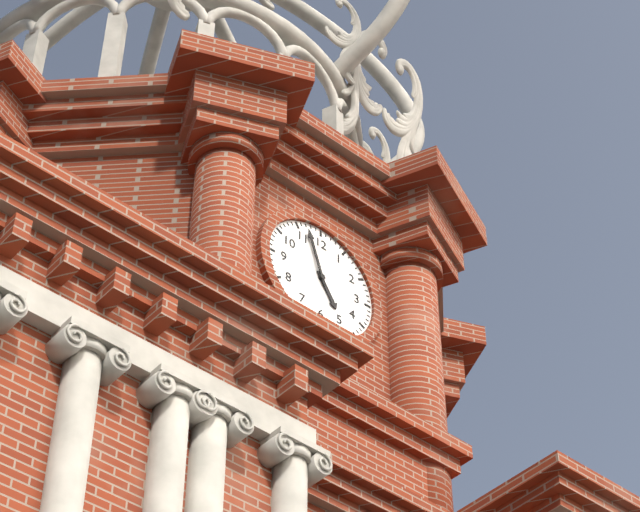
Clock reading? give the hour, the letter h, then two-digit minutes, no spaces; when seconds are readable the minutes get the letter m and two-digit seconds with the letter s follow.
4h57
